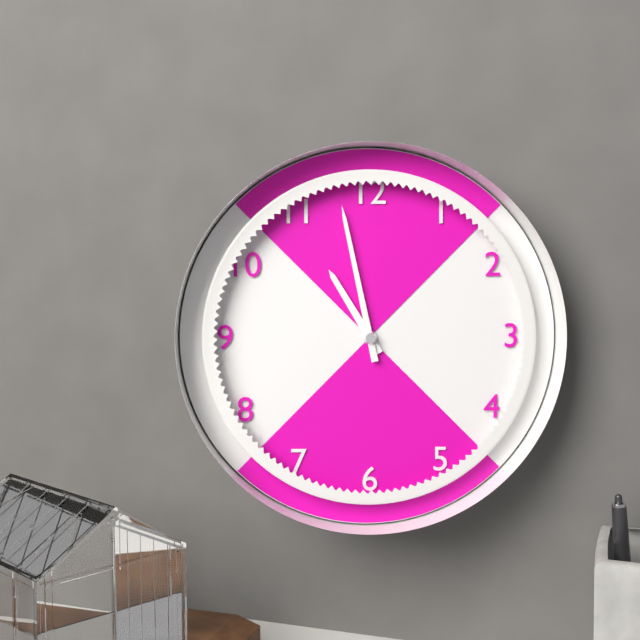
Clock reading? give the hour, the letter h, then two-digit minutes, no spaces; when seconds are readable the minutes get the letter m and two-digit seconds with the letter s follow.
10h58
